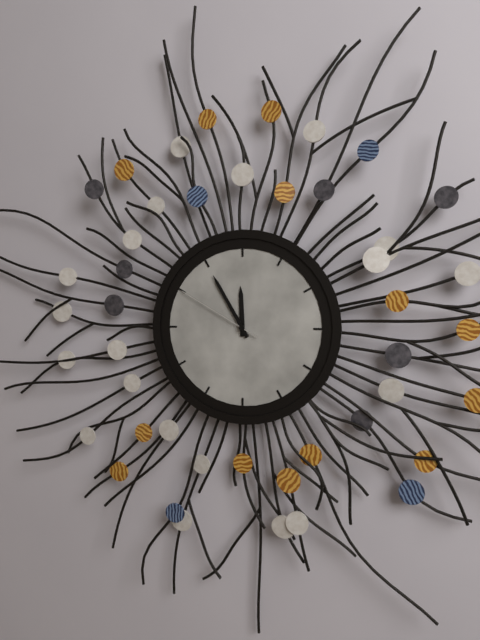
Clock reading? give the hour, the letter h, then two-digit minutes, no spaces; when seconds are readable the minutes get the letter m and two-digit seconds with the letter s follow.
11h55m50s
